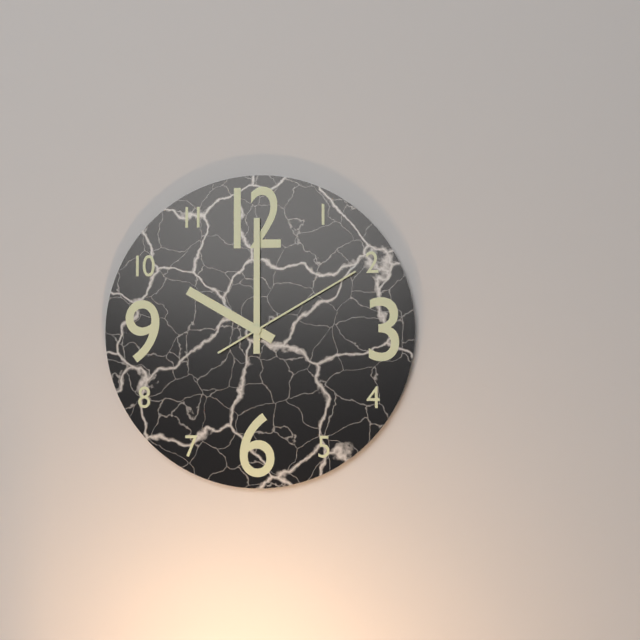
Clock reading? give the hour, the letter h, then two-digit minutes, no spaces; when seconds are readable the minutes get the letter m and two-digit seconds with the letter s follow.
10h00m10s
